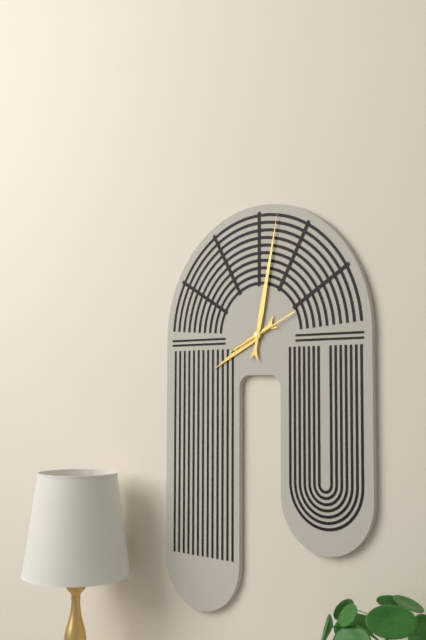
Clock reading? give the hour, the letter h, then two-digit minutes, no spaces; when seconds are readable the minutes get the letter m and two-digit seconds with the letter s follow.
8h02m11s
